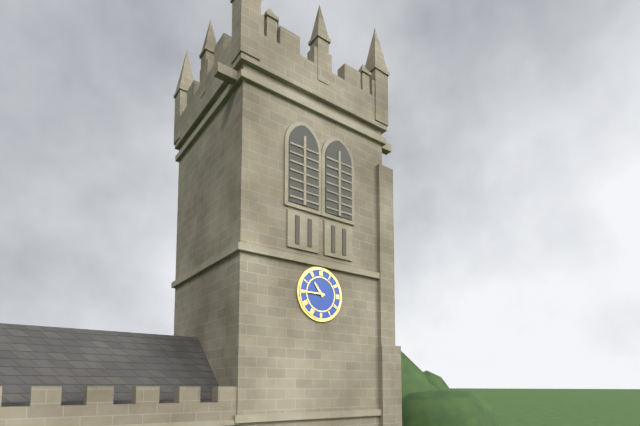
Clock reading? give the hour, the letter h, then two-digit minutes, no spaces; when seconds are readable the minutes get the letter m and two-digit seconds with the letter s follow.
10h45
